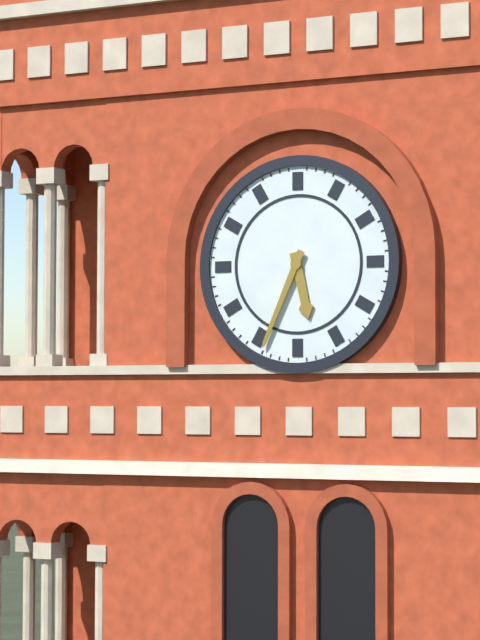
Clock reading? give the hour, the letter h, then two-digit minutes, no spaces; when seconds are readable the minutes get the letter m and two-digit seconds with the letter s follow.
5h34
